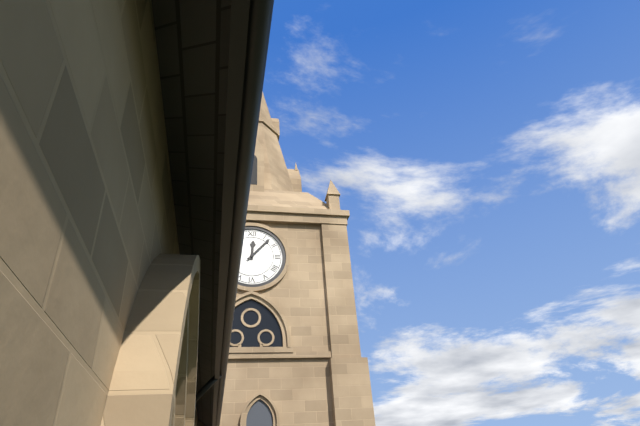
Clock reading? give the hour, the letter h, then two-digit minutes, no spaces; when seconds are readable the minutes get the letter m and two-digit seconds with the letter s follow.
12h07
